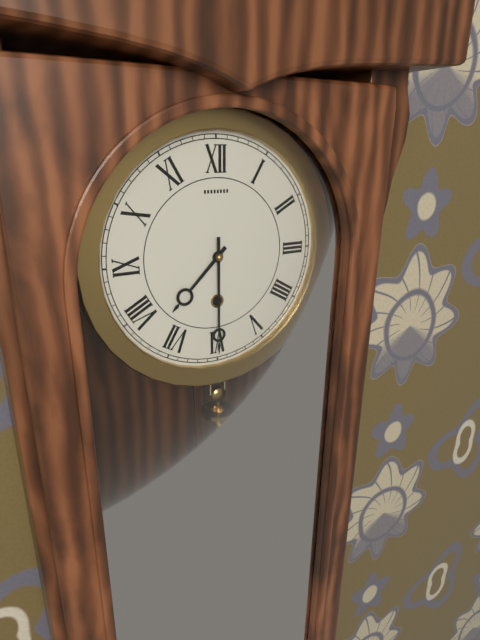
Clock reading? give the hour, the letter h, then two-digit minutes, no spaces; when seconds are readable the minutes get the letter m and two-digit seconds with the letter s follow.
7h30
